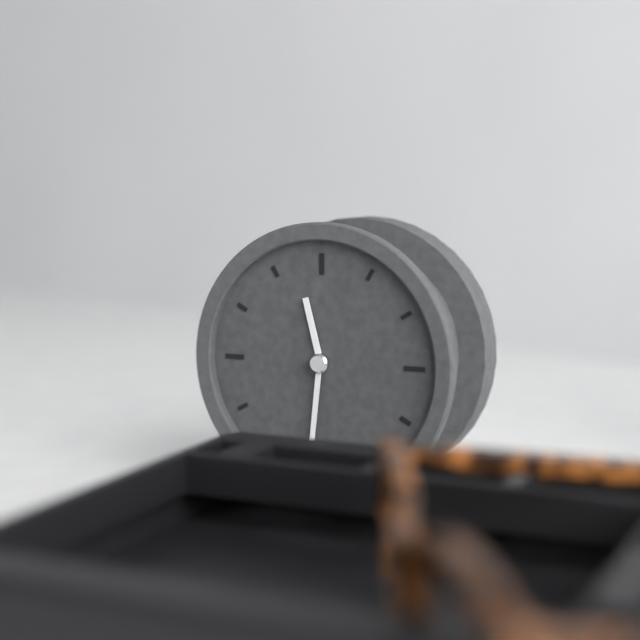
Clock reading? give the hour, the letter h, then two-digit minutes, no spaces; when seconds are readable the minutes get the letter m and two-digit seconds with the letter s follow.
11h31
